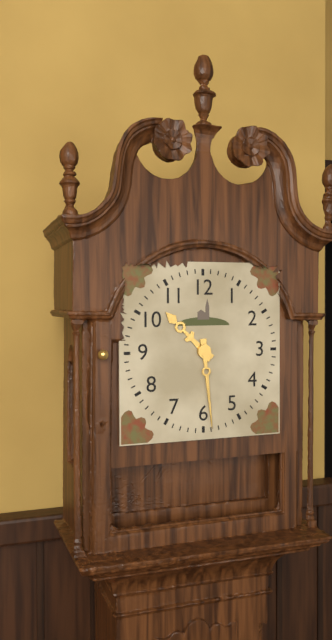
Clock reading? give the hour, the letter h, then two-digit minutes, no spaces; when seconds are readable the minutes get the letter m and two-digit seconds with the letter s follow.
10h29
